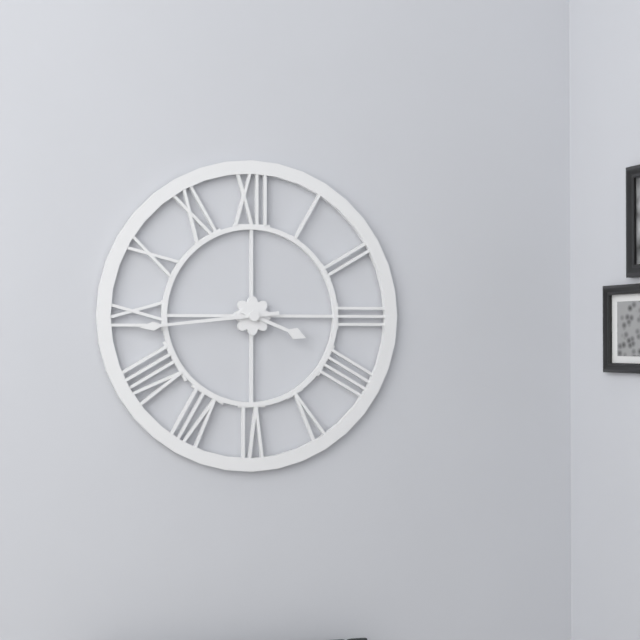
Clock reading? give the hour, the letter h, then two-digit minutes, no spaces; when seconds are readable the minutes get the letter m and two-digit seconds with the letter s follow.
3h44
